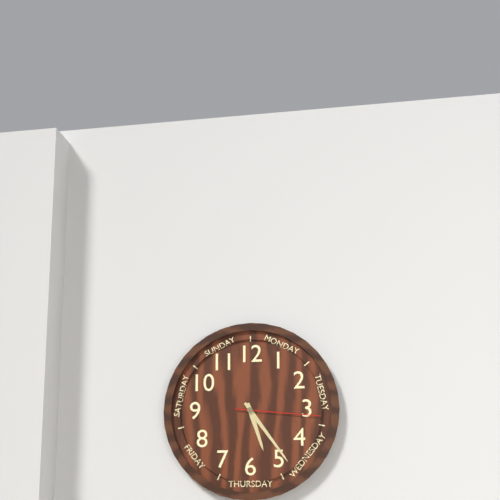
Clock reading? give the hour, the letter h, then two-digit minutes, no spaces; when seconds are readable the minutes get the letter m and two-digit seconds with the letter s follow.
5h24m16s
